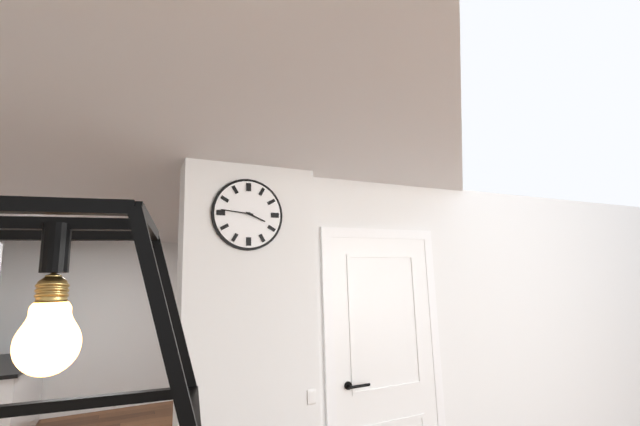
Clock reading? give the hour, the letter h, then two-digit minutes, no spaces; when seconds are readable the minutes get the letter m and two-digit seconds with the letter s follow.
3h46
